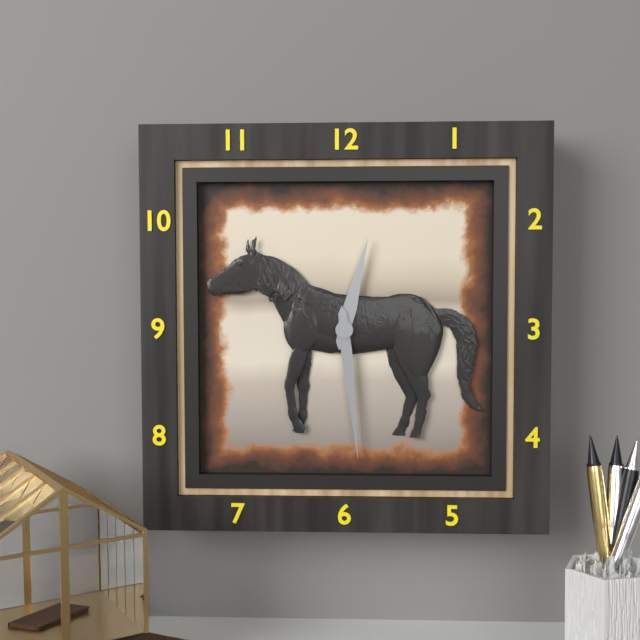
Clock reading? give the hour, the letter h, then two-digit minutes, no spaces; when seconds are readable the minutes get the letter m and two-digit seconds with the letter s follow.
12h29
